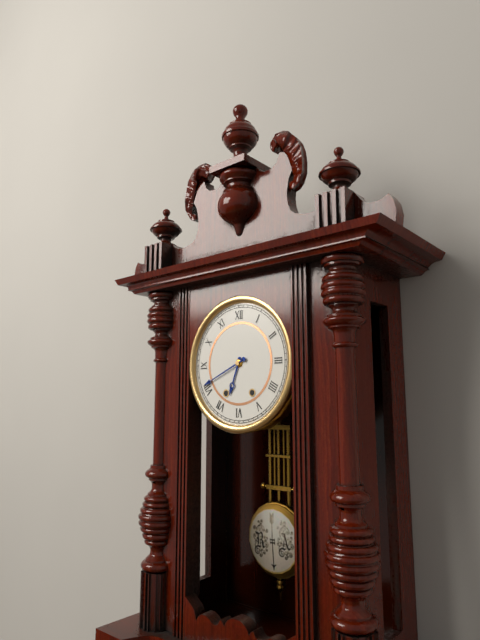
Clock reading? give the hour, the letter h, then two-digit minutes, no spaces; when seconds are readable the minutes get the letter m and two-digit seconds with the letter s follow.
6h41
